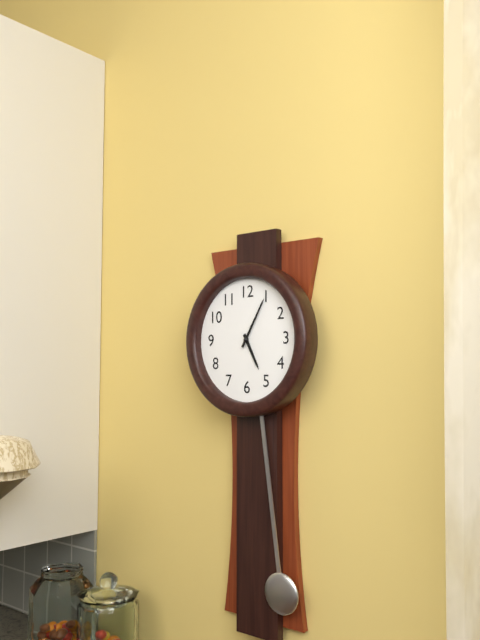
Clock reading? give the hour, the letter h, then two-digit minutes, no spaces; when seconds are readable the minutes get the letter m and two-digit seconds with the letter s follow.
5h05
